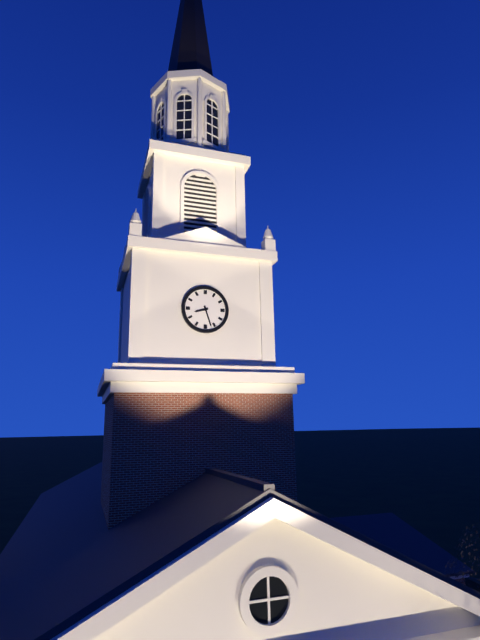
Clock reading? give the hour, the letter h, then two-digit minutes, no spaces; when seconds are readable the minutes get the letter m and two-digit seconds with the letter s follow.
8h27
